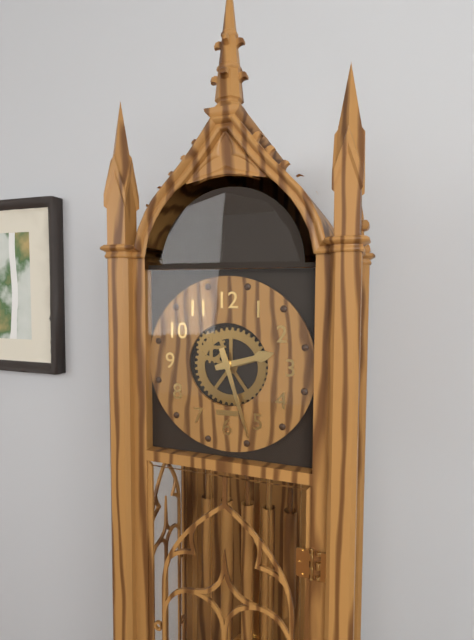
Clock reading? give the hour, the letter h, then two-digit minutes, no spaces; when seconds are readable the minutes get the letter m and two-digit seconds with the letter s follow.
2h27
